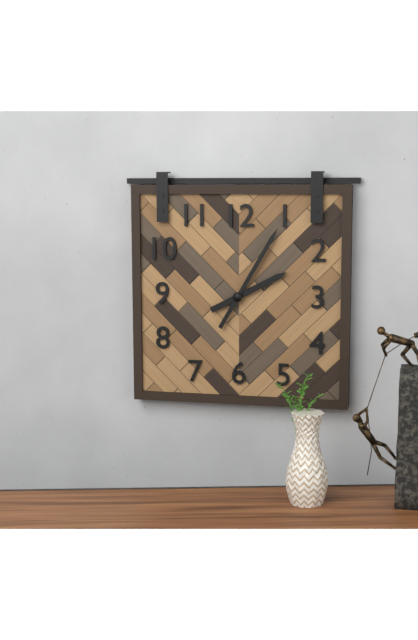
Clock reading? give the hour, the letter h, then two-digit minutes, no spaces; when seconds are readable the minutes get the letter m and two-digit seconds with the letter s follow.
2h05
